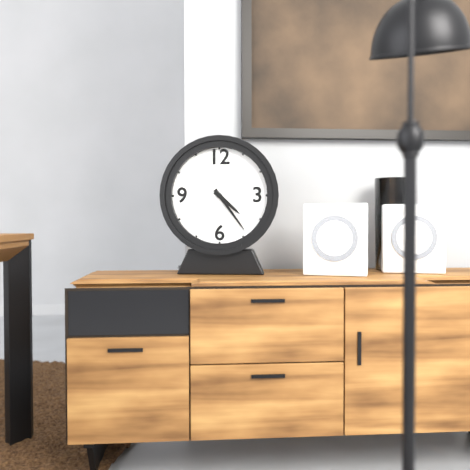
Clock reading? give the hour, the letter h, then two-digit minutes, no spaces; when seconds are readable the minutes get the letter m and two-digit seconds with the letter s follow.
4h24
